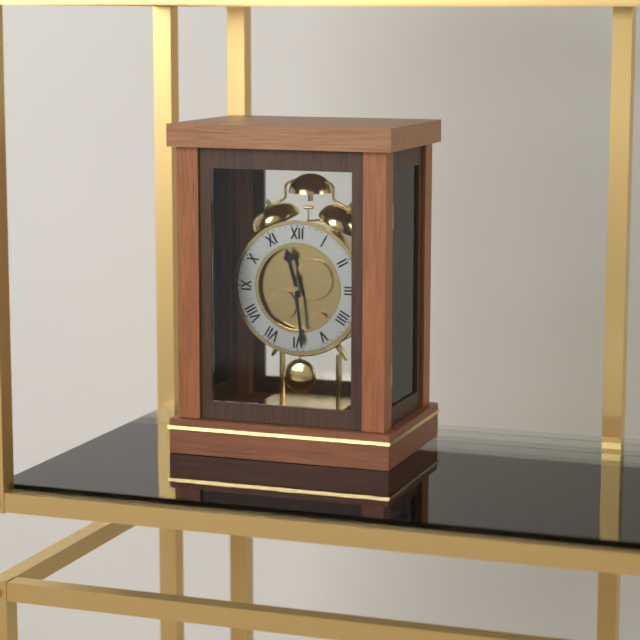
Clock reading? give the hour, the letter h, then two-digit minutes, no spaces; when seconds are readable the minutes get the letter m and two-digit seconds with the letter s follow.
11h29
